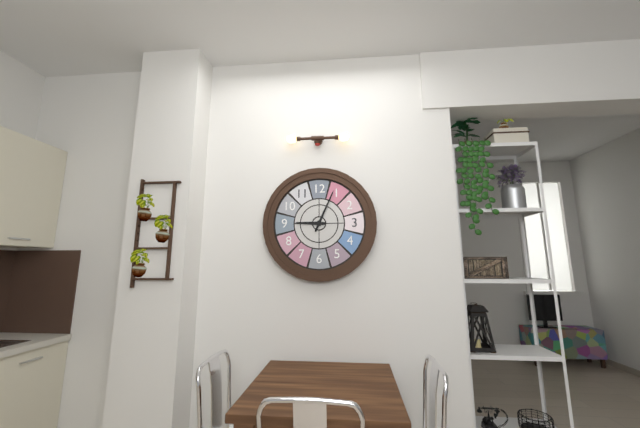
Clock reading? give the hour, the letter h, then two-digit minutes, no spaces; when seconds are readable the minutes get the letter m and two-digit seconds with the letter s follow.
9h04
